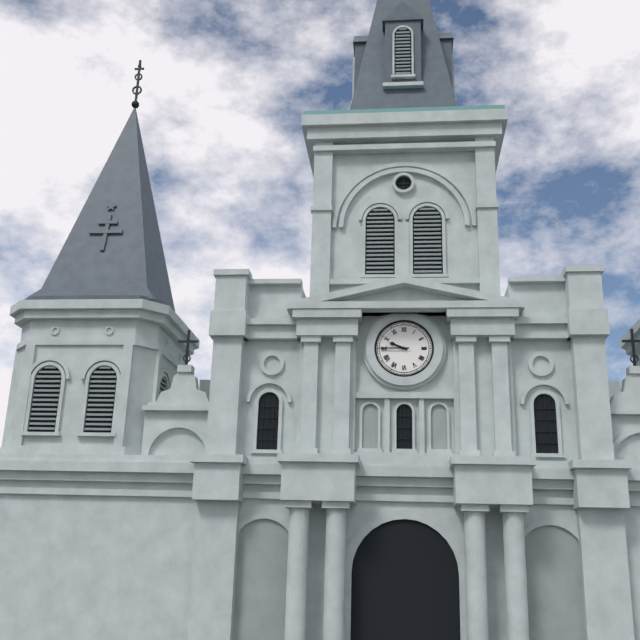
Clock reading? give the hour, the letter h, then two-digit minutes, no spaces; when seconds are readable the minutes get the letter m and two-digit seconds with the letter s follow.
9h45
